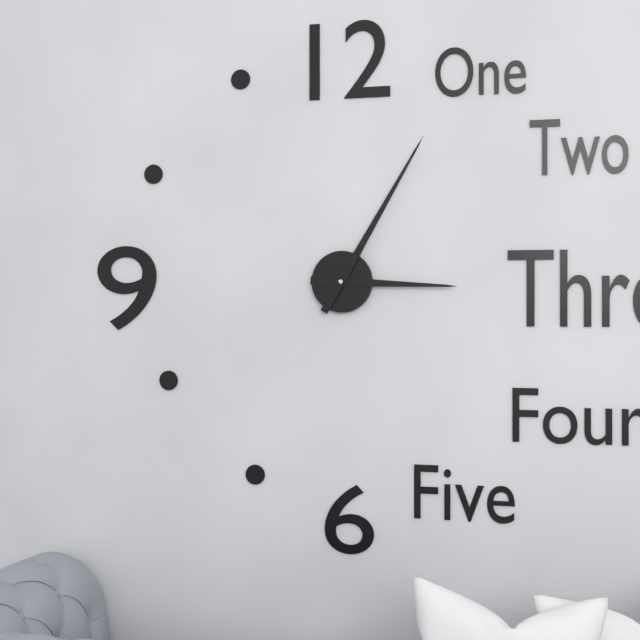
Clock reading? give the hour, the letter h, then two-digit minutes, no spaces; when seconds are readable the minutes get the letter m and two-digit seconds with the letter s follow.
3h05
